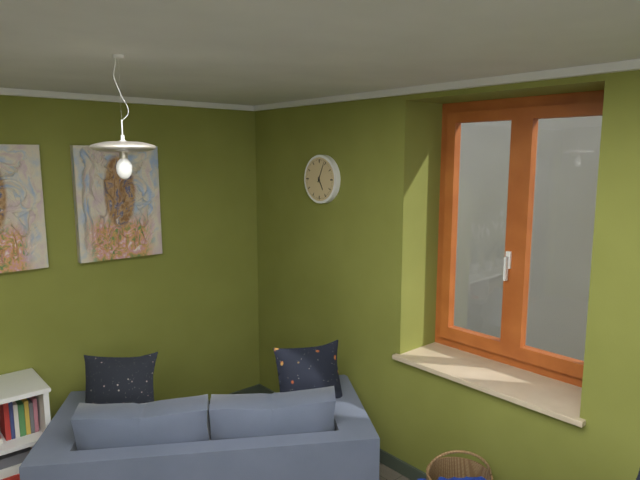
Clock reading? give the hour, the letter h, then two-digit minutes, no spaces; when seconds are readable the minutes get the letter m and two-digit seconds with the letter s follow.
5h04
